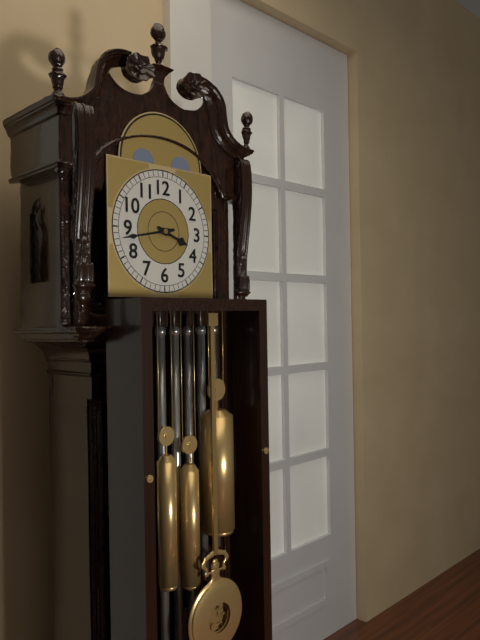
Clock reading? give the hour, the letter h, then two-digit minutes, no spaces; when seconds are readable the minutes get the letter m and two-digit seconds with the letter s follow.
3h43
